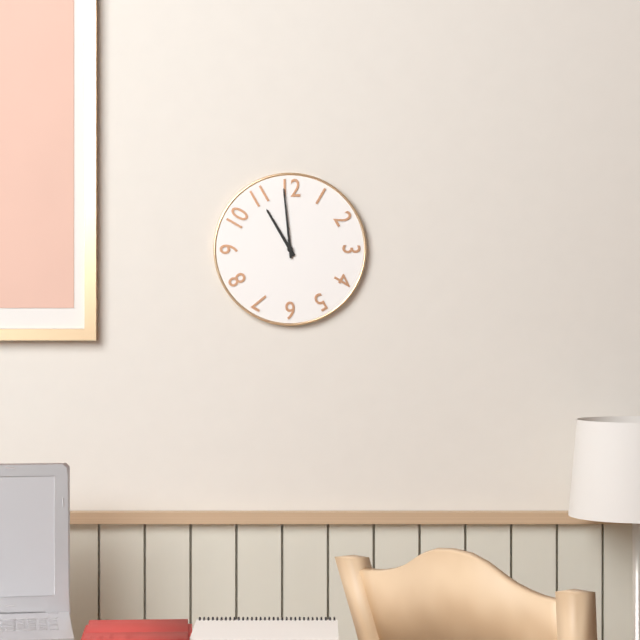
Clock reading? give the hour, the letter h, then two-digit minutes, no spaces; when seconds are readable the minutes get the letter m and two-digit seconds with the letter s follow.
10h59
